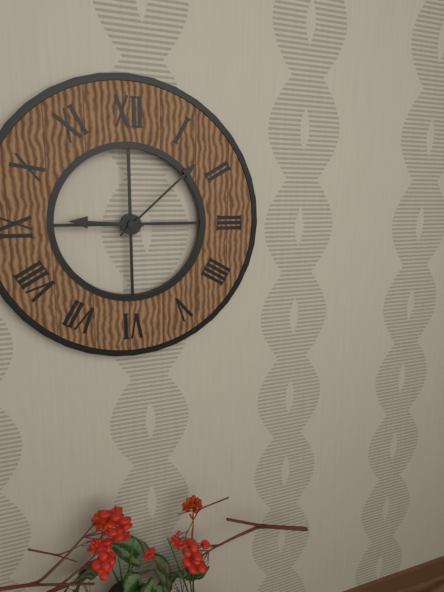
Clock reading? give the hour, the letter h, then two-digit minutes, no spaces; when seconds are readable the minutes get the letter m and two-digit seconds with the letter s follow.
9h08
